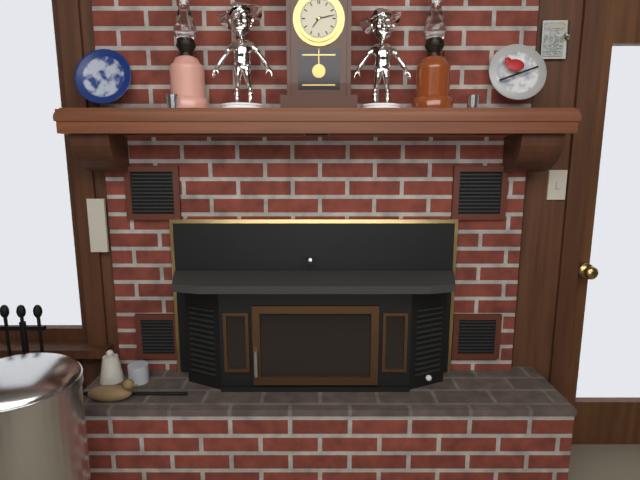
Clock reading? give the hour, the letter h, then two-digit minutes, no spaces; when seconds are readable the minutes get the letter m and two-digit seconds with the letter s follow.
7h13
